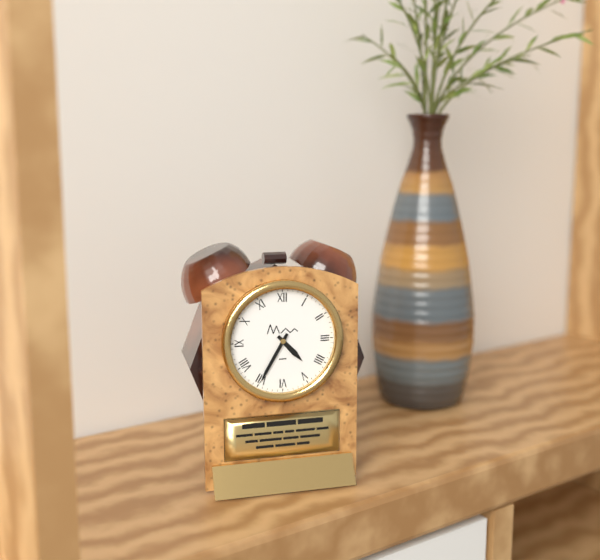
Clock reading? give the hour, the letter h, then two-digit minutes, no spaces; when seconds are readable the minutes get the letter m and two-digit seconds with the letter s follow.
4h35
